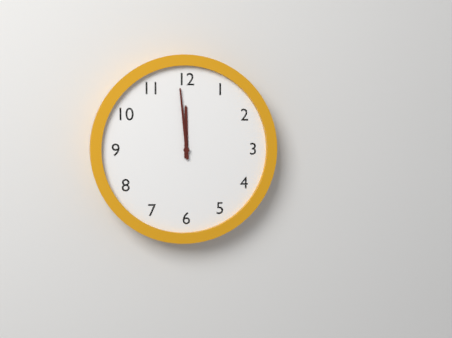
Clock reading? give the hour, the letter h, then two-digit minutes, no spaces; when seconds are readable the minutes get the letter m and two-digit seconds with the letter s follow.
11h59
